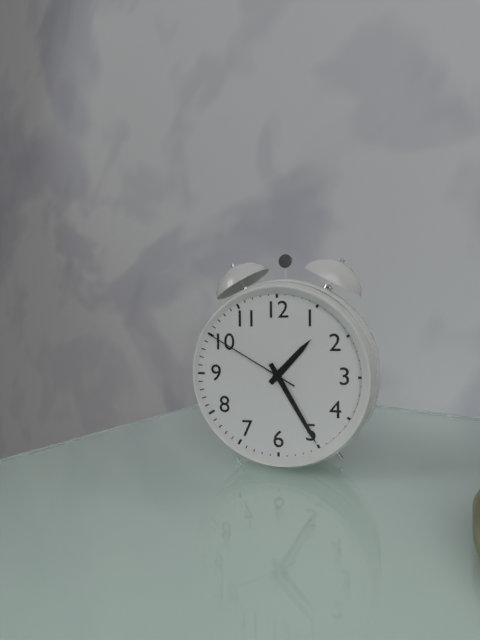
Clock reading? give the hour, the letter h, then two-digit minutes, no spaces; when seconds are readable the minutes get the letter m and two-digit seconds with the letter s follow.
1h25m50s
